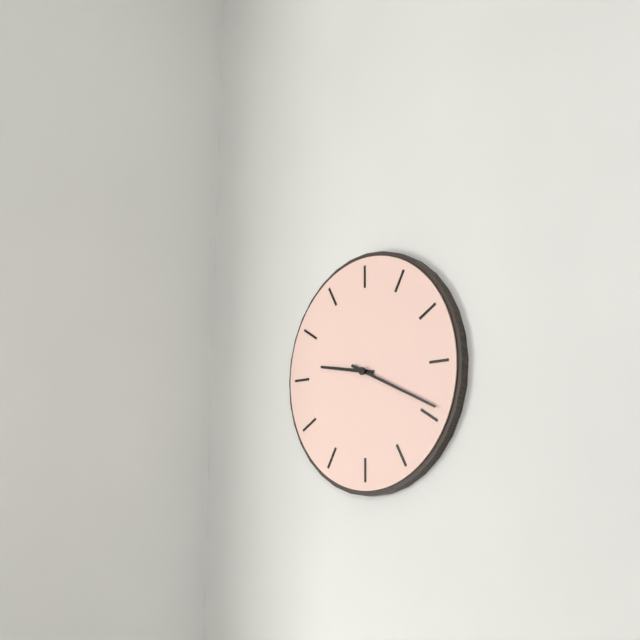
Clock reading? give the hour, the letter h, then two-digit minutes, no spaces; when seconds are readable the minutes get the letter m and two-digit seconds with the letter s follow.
9h19
